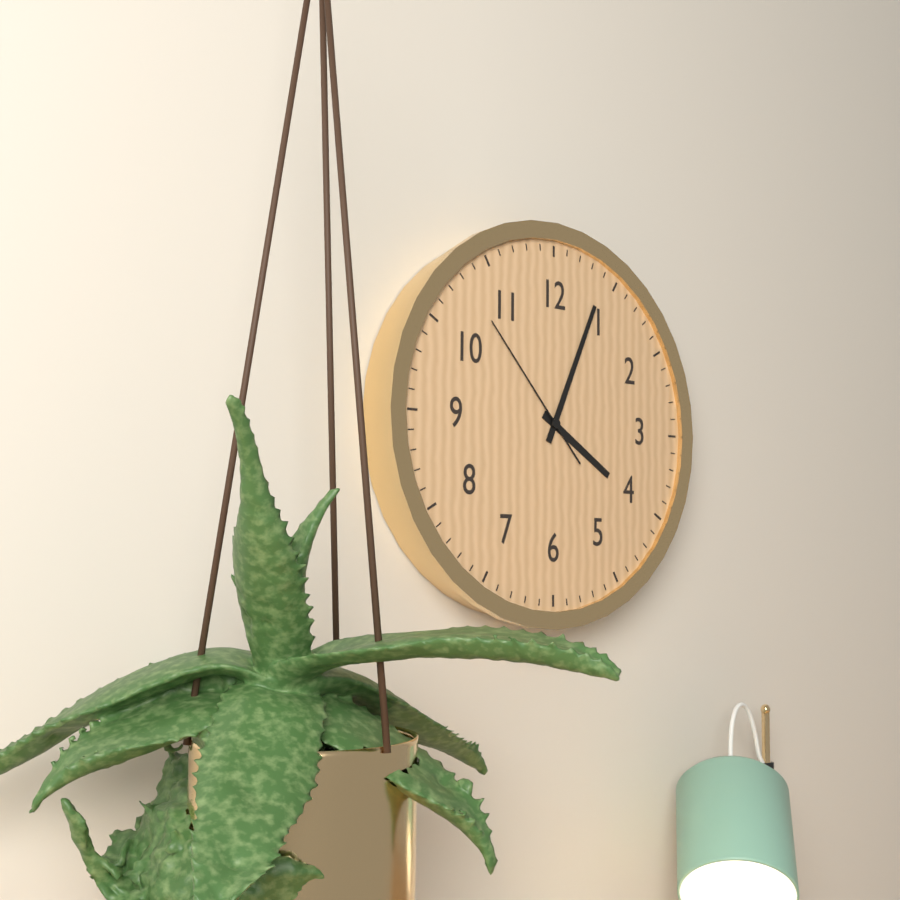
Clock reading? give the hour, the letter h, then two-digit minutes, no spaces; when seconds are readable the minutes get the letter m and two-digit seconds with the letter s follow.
4h04m53s
